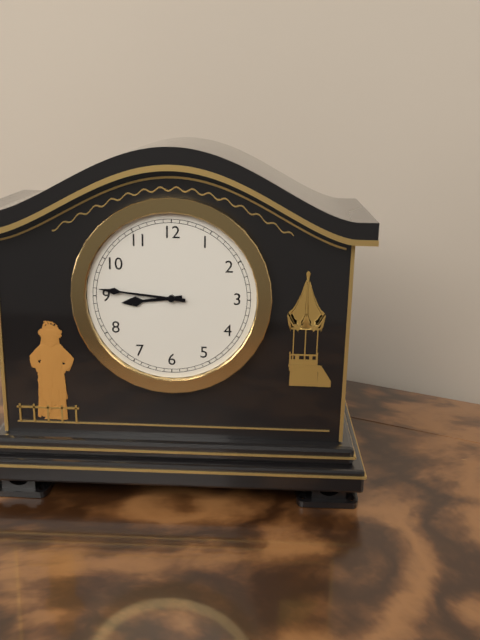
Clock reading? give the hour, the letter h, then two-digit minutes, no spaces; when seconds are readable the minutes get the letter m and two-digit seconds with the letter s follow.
8h46
